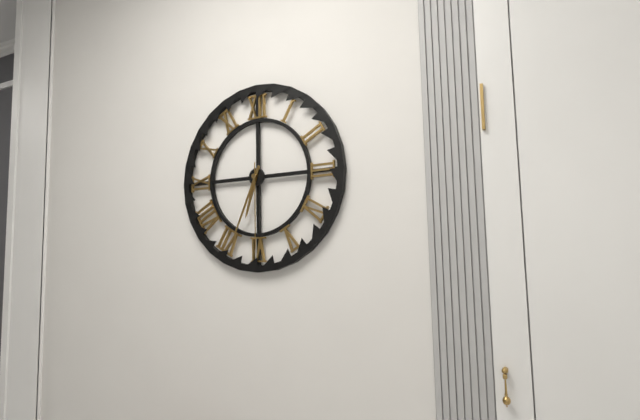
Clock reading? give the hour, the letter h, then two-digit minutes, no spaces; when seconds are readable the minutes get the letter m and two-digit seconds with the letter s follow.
6h34m30s
